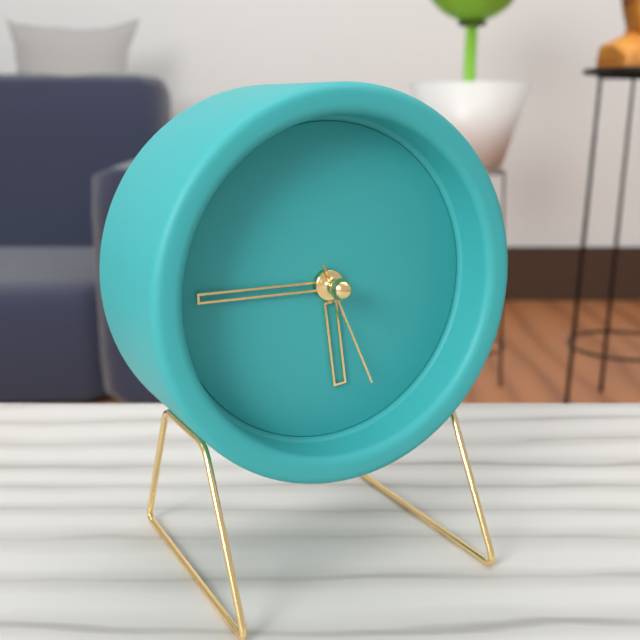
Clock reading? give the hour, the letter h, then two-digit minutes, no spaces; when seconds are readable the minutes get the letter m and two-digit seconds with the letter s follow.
5h45m26s
